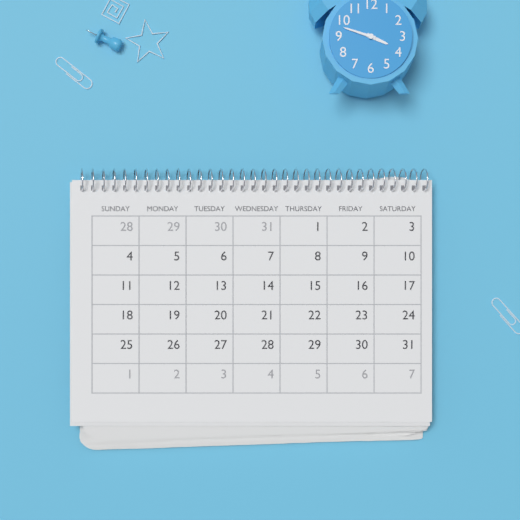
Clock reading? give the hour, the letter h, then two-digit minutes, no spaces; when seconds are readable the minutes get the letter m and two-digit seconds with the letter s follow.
3h48
